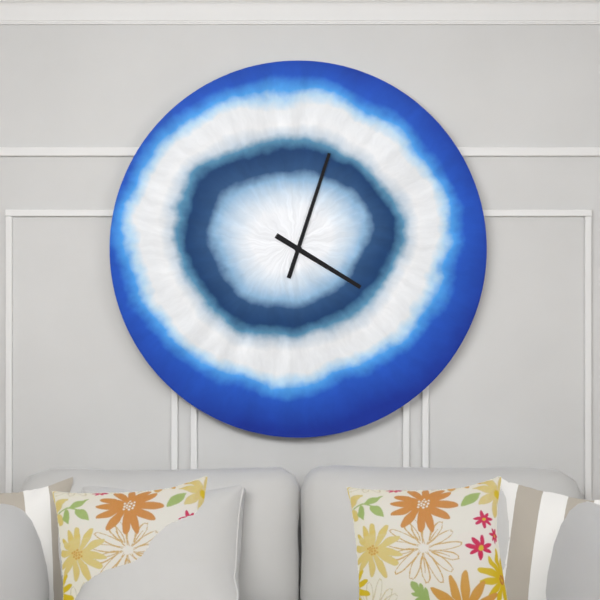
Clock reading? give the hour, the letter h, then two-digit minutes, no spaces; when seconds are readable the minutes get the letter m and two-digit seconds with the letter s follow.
4h03
